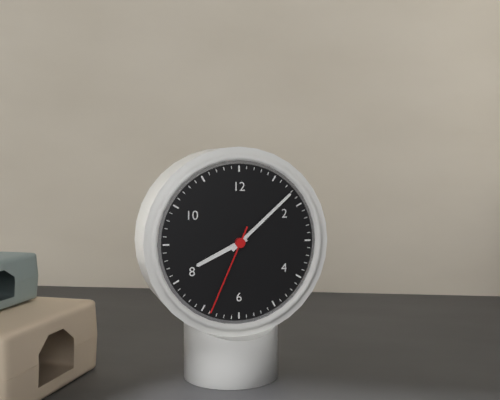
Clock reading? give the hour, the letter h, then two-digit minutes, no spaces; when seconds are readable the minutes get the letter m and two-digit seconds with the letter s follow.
8h08m34s
